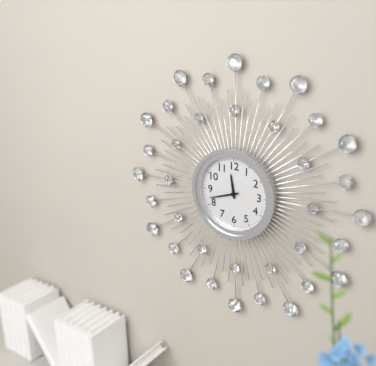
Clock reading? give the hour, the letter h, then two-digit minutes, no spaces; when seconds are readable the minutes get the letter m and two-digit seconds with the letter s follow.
11h42
